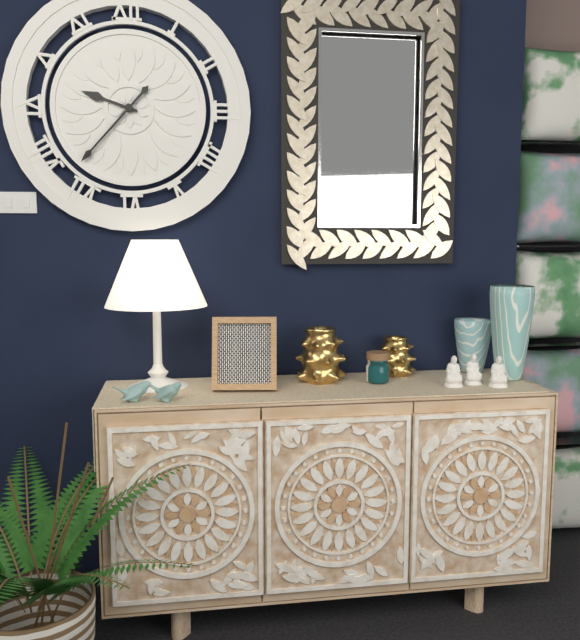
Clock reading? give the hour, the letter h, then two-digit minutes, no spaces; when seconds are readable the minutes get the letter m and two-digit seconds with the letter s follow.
9h37
